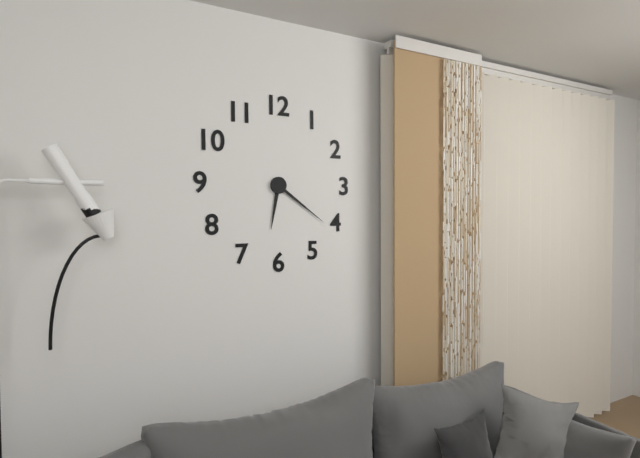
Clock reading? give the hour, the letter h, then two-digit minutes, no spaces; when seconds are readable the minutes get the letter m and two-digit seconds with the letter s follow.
6h21
